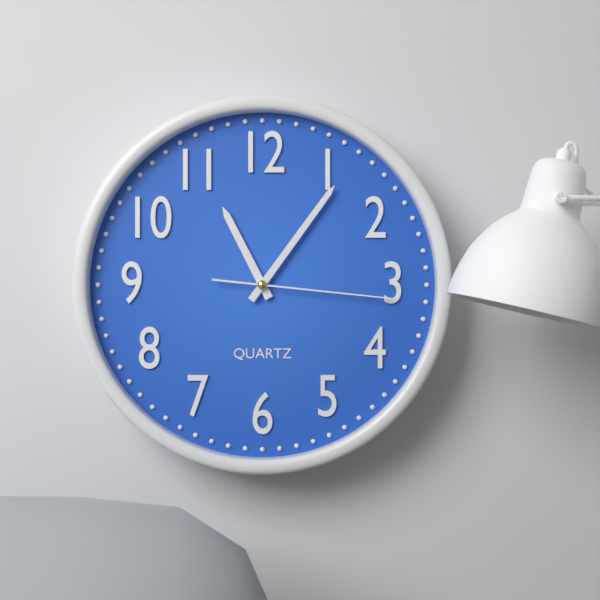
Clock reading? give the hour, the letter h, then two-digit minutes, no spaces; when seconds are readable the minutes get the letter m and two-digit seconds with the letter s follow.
11h06m16s
